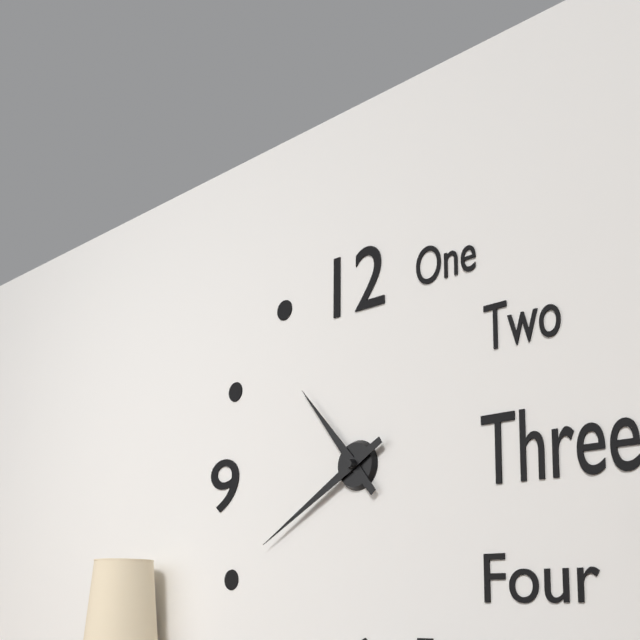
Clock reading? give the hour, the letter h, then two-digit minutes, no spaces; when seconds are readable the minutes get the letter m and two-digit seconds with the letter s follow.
10h40
